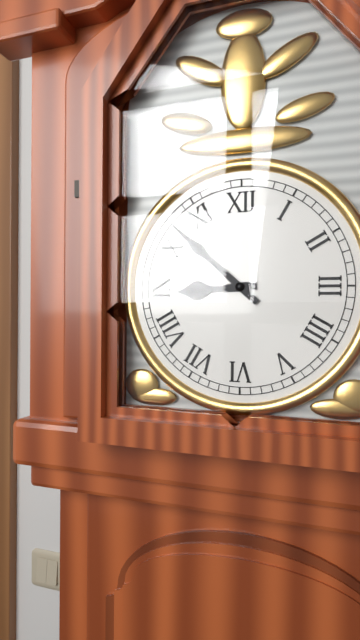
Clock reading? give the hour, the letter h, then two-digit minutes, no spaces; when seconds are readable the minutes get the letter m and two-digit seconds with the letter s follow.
8h52
